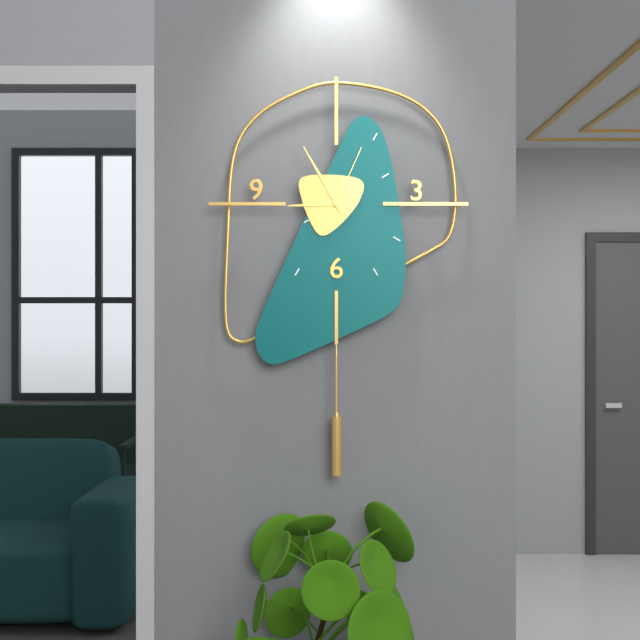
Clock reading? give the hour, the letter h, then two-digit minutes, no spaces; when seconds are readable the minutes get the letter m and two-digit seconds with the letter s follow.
8h55m04s
